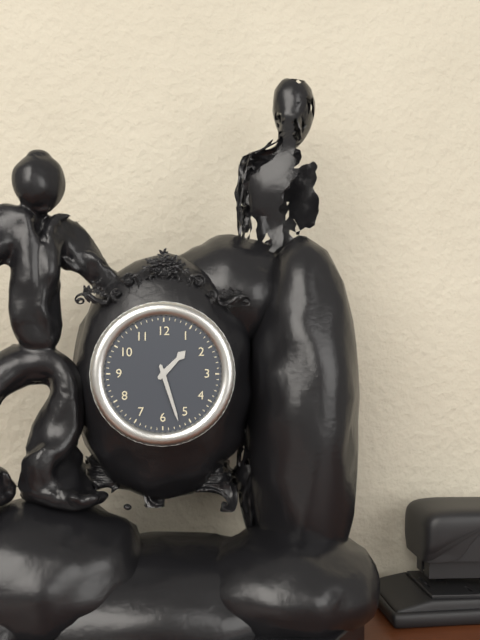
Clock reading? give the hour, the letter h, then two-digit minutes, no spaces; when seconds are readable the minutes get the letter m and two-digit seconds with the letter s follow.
1h27
